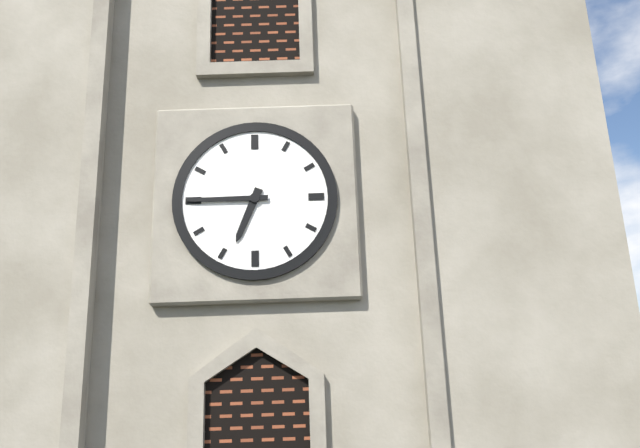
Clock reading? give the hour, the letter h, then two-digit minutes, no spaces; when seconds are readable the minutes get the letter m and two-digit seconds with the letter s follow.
6h45
